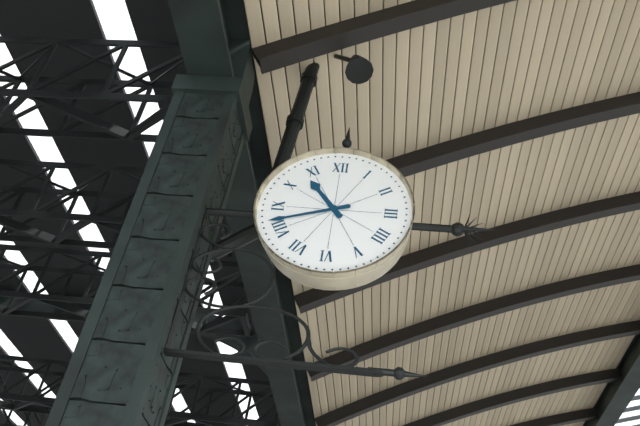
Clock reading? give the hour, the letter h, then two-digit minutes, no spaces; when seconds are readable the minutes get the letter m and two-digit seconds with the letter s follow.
10h42
